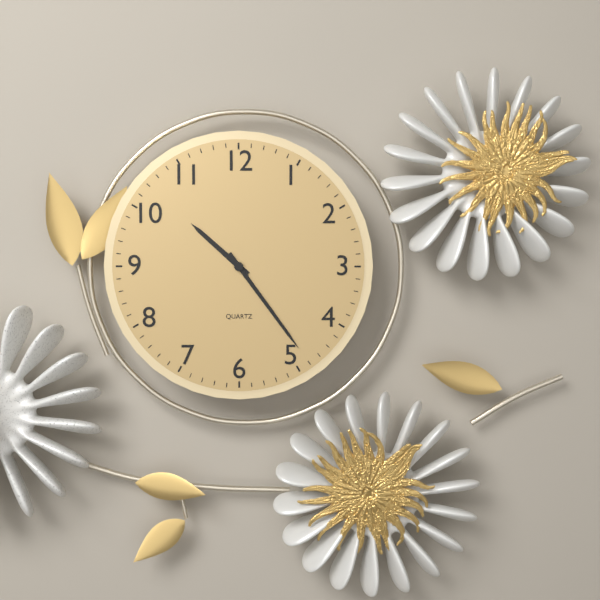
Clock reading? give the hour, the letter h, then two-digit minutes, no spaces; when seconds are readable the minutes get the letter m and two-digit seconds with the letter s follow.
10h24
